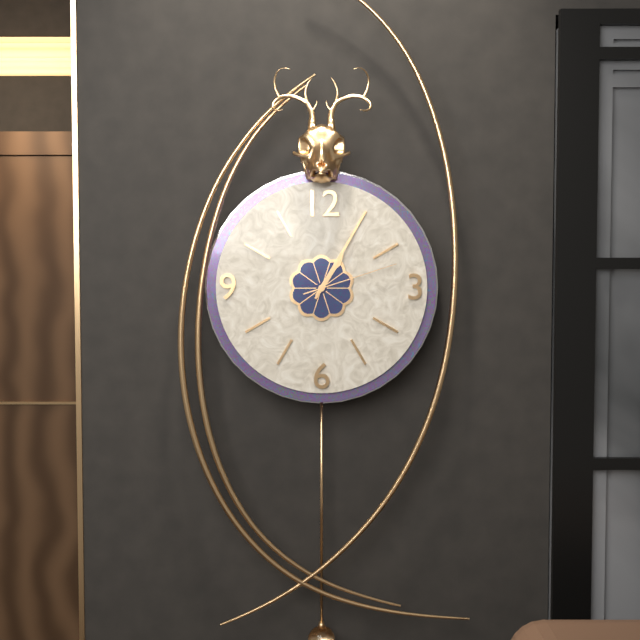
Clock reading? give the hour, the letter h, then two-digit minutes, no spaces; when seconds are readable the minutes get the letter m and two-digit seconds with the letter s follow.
1h05m12s
